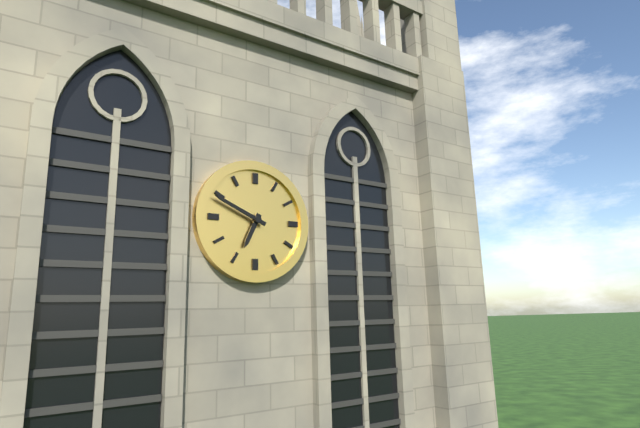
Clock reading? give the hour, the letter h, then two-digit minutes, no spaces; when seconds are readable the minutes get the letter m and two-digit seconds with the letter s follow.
6h49
